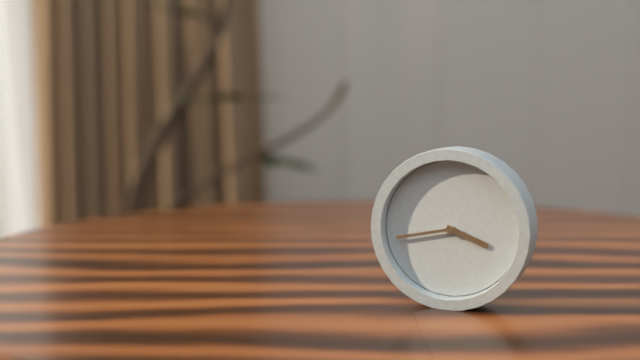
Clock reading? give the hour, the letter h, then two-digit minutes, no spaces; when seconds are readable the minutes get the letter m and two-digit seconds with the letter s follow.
3h43
